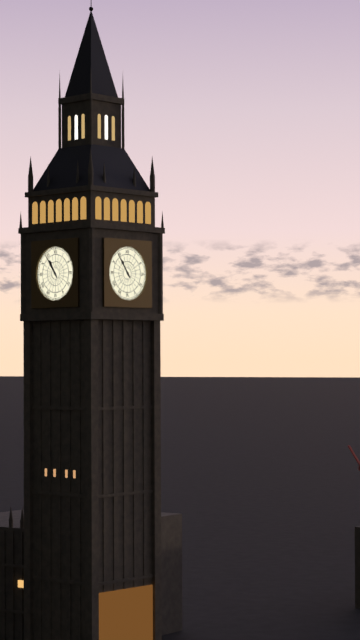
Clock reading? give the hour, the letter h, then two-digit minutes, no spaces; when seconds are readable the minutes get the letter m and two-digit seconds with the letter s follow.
10h54
